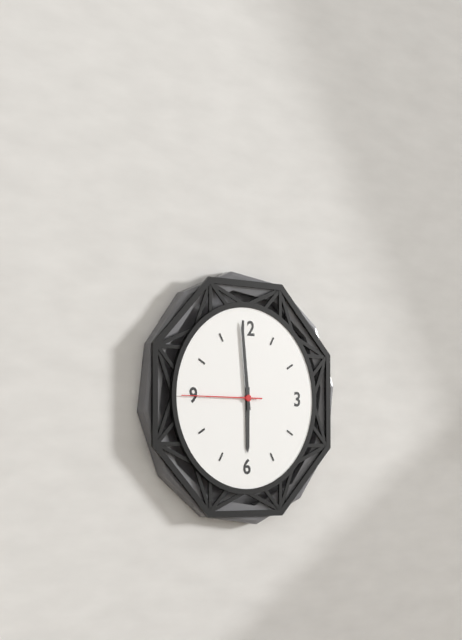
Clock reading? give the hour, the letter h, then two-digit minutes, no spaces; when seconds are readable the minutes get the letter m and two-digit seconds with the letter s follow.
5h59m45s
